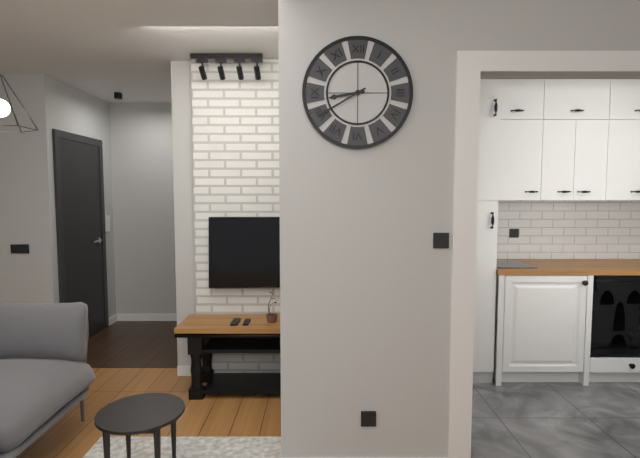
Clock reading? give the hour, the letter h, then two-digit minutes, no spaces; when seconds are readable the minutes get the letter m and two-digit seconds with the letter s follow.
8h40
